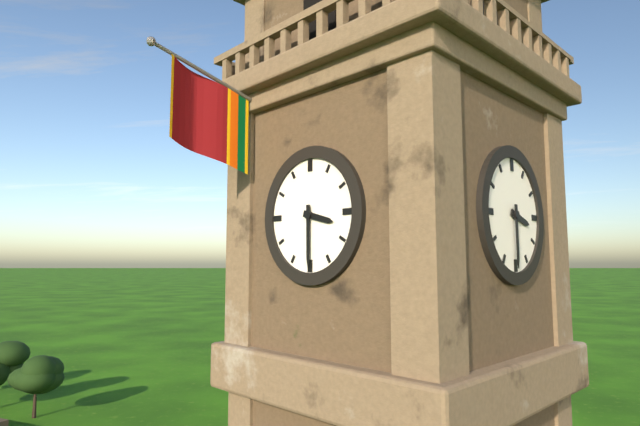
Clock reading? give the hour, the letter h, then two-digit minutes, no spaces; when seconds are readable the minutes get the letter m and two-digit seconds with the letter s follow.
3h30
